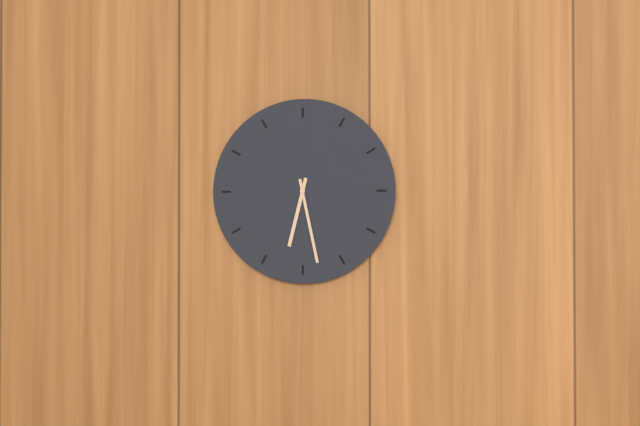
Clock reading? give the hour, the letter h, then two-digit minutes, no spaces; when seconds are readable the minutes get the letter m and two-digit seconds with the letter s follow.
6h28
